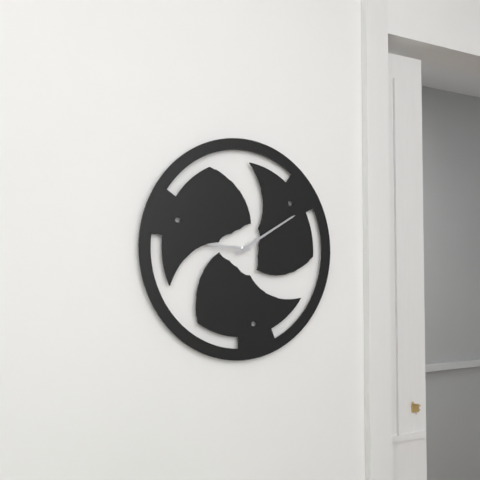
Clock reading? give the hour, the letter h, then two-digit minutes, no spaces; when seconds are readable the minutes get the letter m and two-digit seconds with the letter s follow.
9h10
